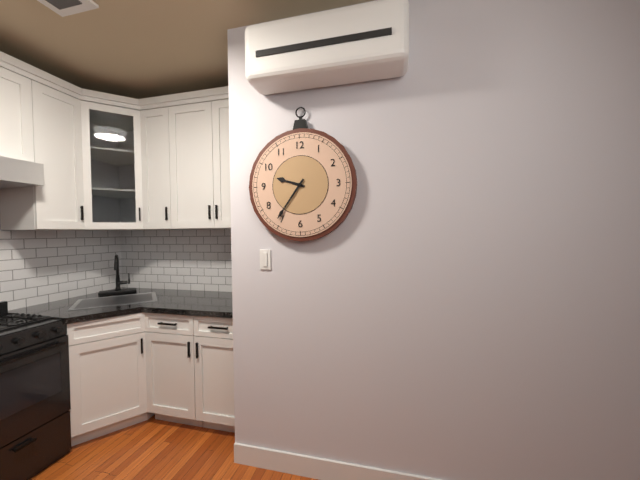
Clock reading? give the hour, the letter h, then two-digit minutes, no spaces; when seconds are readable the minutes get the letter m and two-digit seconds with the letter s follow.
9h36
